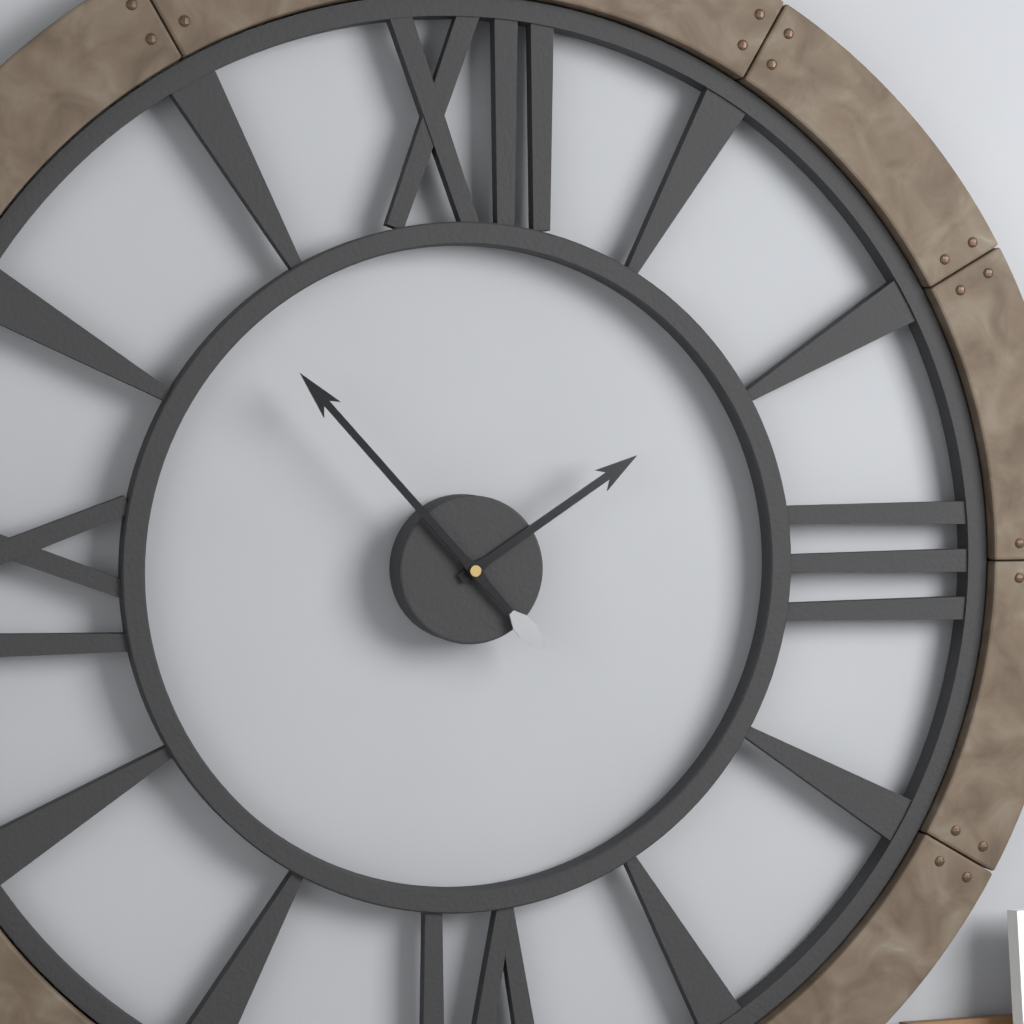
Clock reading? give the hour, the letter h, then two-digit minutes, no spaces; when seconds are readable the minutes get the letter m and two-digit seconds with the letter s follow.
1h53
